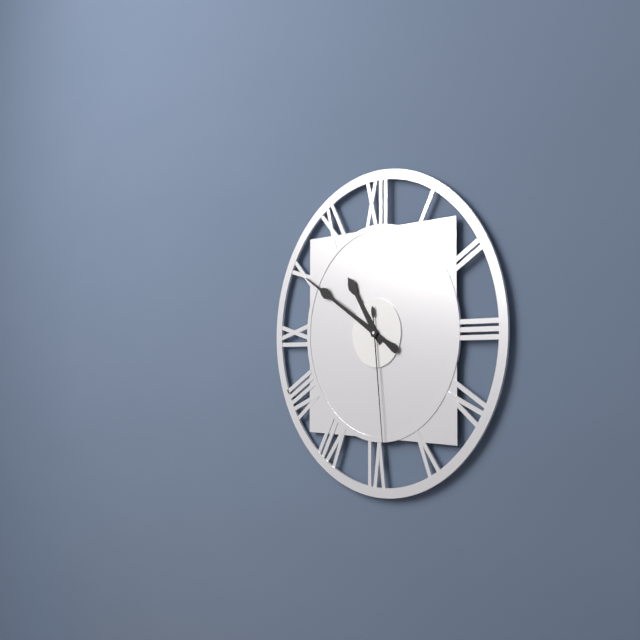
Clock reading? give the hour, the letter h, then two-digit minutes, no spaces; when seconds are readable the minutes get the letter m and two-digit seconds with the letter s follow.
10h50m29s
